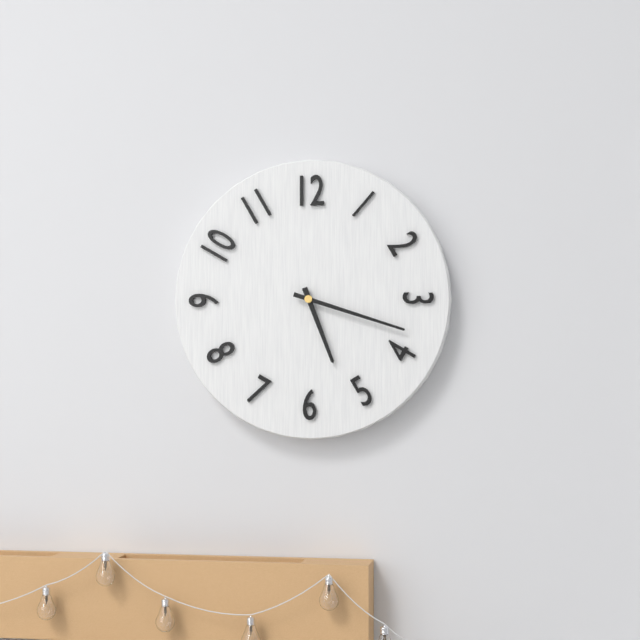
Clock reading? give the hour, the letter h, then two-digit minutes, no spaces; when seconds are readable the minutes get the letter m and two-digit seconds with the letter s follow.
5h18
